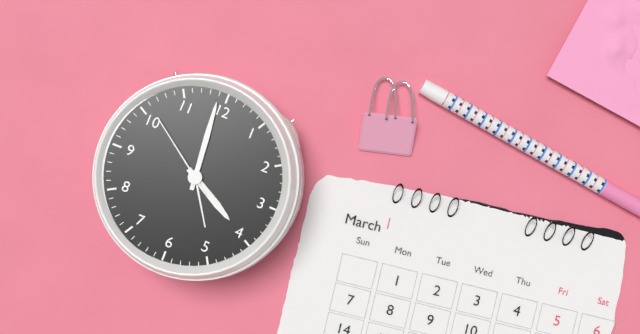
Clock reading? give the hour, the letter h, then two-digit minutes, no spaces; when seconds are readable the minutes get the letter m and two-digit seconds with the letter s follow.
3h59m51s
